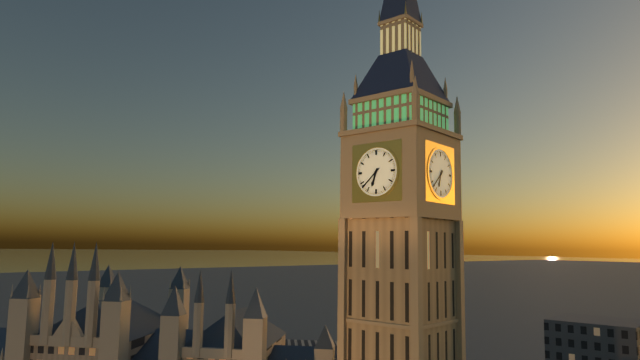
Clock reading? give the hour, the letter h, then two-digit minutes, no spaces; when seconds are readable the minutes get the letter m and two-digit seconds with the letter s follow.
6h38
